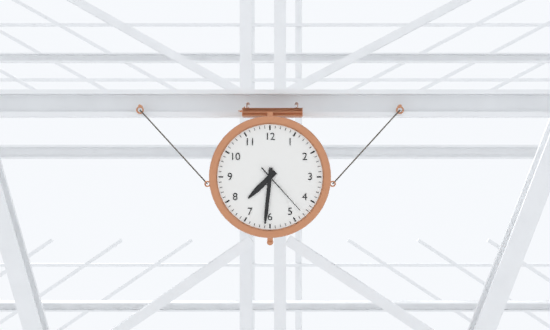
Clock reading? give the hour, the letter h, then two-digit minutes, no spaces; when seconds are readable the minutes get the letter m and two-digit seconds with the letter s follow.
7h31m23s
